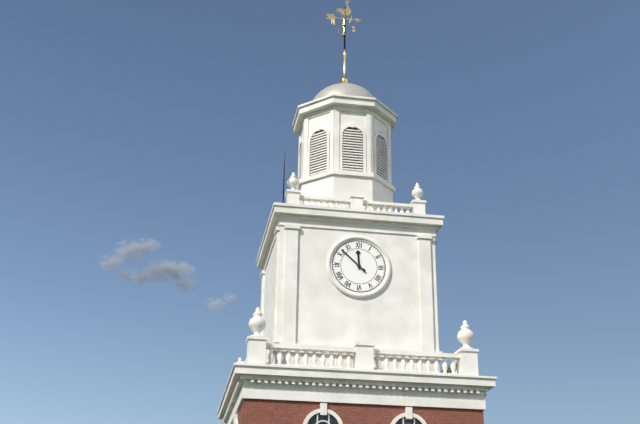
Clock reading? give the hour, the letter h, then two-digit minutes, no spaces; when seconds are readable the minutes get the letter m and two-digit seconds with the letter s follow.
11h52
